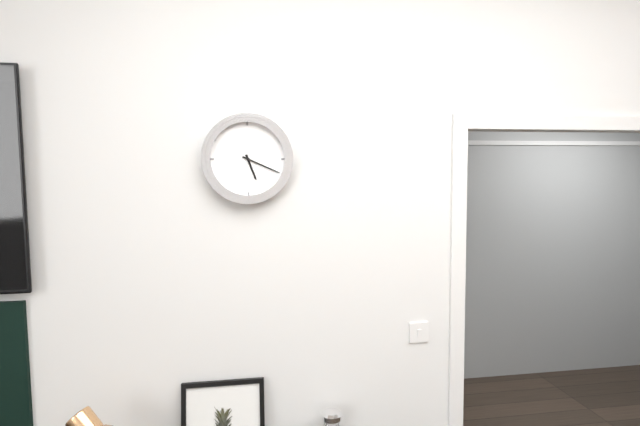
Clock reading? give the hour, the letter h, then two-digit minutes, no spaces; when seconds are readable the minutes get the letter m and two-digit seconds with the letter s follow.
5h19
